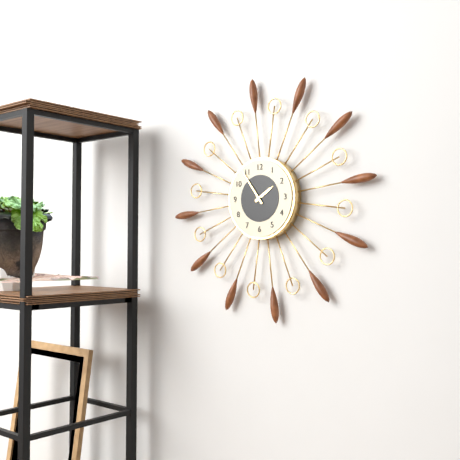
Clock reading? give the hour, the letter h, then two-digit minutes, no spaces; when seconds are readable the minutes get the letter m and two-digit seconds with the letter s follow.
1h54
